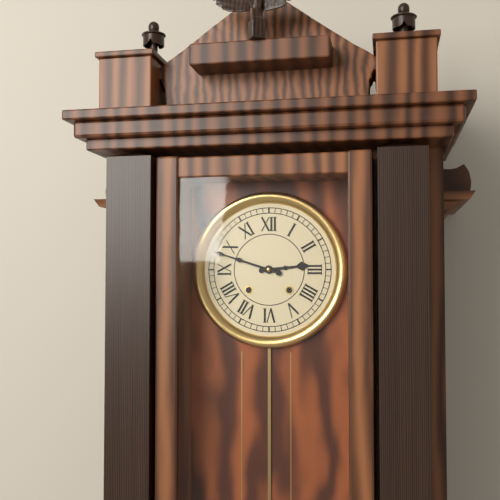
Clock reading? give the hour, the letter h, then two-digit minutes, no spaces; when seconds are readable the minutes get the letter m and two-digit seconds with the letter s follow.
2h48
